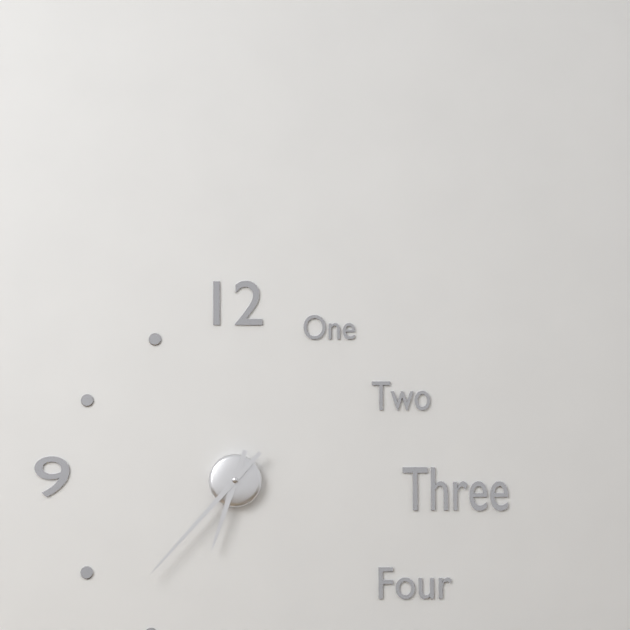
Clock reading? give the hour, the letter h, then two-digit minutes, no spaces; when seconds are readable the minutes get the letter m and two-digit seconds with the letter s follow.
6h37
